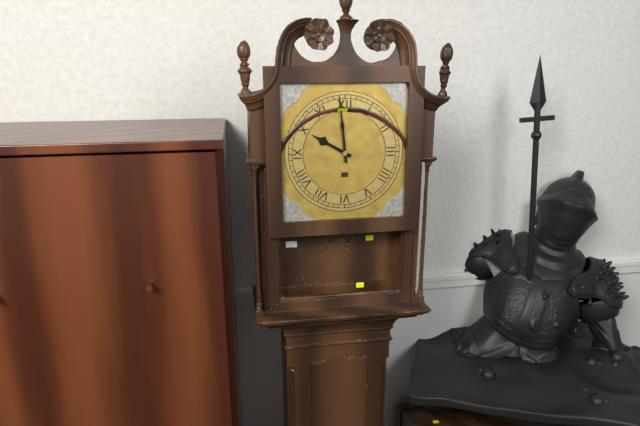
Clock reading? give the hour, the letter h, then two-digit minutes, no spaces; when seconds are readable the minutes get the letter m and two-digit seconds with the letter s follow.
9h59
